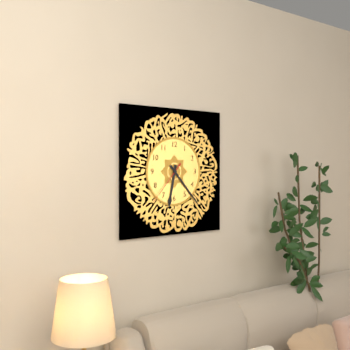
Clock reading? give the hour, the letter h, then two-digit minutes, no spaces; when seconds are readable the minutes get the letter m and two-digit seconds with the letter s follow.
6h23
